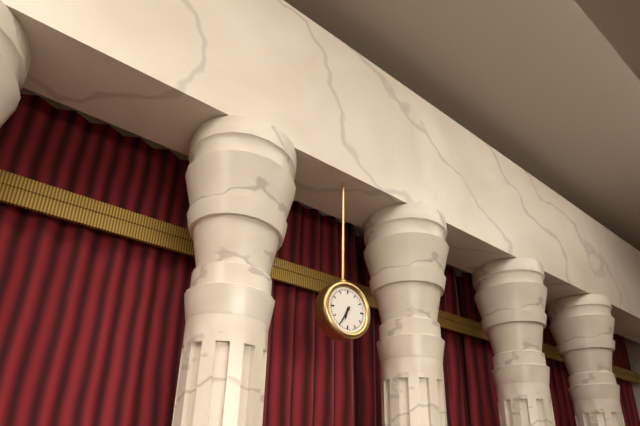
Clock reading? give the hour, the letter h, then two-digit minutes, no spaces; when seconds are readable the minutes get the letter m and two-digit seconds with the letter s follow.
6h35
